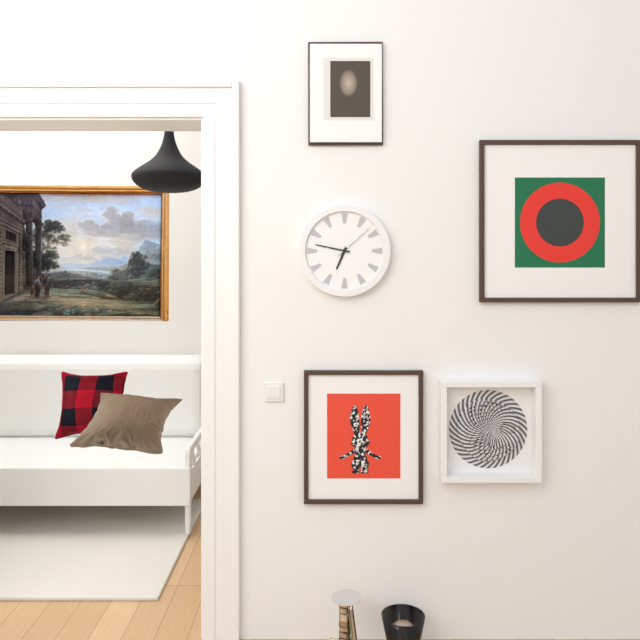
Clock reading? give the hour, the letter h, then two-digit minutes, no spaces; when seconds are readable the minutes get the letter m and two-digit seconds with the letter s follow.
6h47
